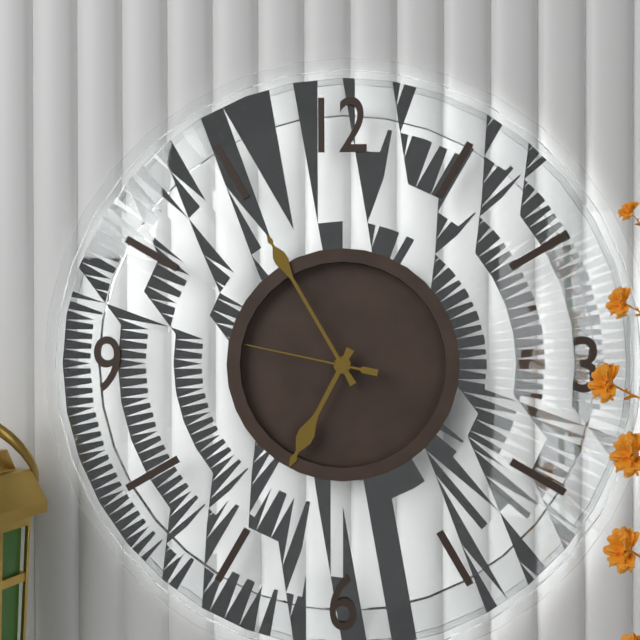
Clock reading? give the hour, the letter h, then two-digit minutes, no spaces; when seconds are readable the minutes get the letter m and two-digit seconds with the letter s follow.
6h55m47s
